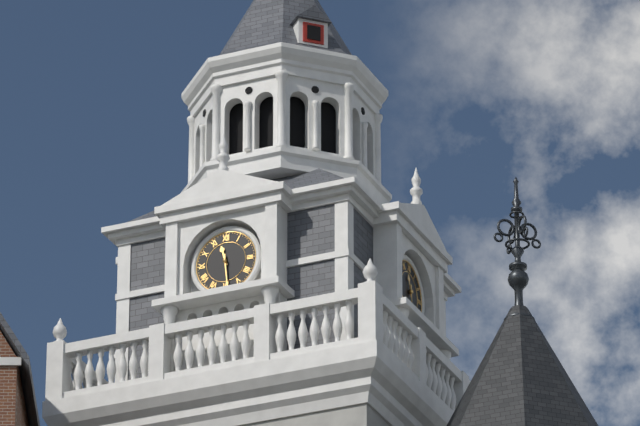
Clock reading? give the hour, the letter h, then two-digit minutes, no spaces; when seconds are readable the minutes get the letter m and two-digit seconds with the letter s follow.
11h29
